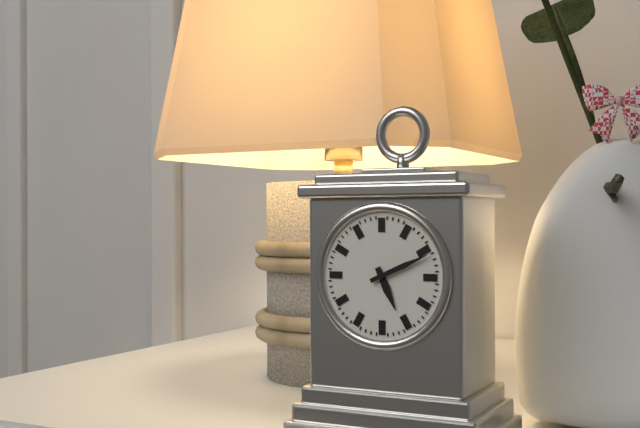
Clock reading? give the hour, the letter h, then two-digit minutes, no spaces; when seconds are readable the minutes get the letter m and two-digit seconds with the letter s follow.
5h11
